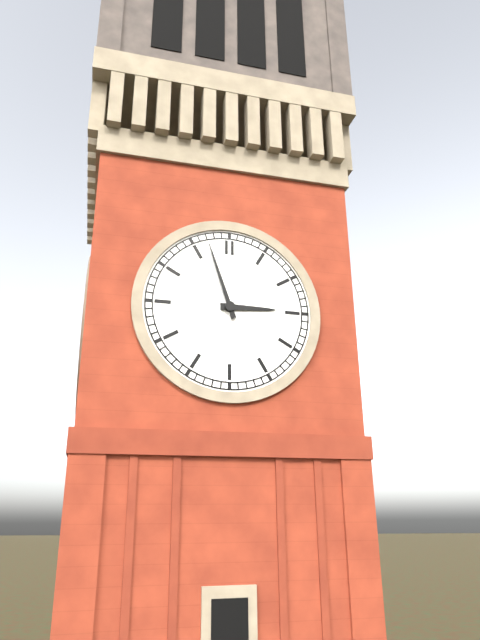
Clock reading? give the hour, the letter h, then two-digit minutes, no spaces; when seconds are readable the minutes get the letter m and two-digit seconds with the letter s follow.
2h57
